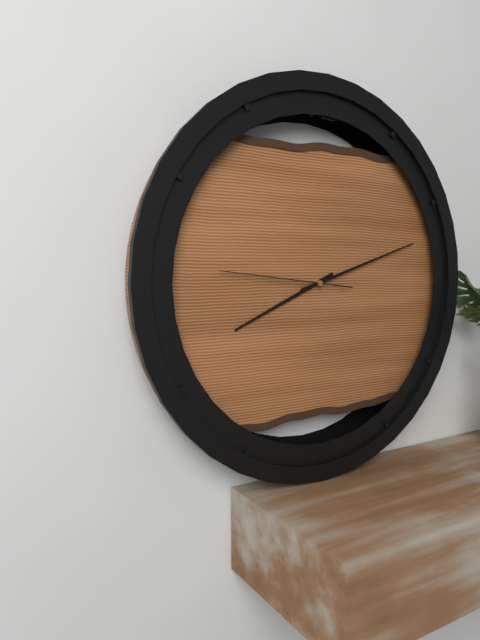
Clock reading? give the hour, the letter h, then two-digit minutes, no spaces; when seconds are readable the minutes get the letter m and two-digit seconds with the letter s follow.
8h12m46s
